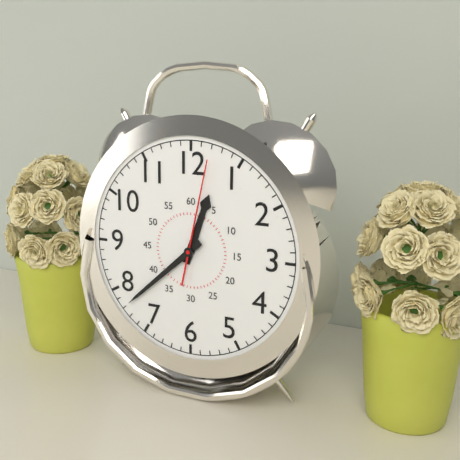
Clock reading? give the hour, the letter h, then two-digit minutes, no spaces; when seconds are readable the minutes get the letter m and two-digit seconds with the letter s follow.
12h38m02s
